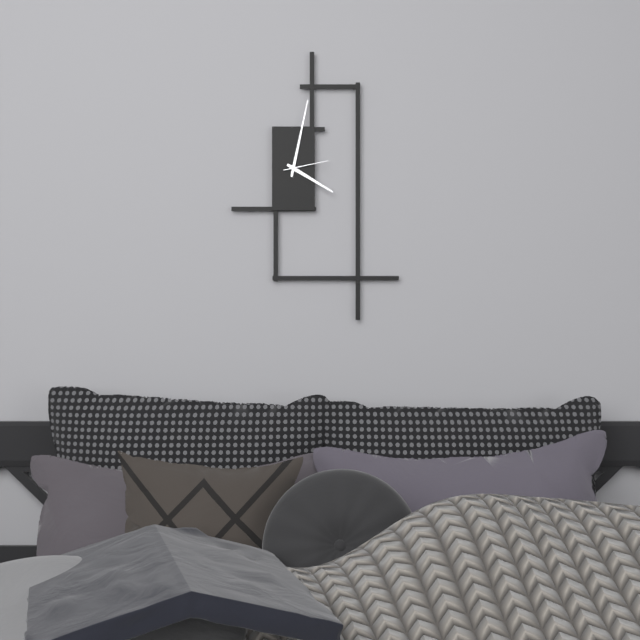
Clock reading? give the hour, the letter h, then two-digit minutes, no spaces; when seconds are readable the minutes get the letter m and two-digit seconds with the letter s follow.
4h02
